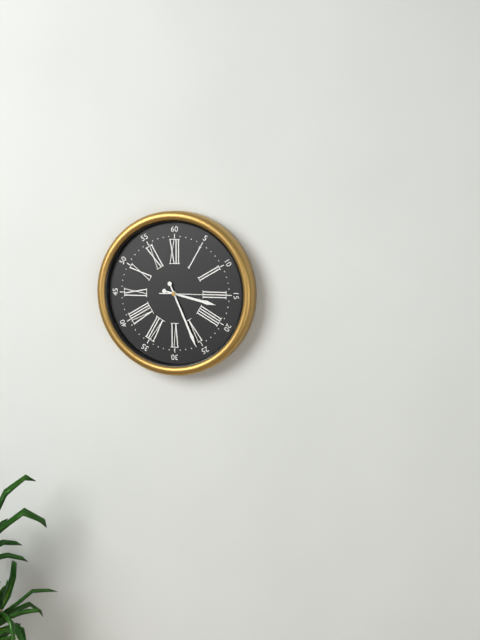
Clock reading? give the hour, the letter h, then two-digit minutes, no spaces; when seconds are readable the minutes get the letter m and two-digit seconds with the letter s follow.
3h26m15s
